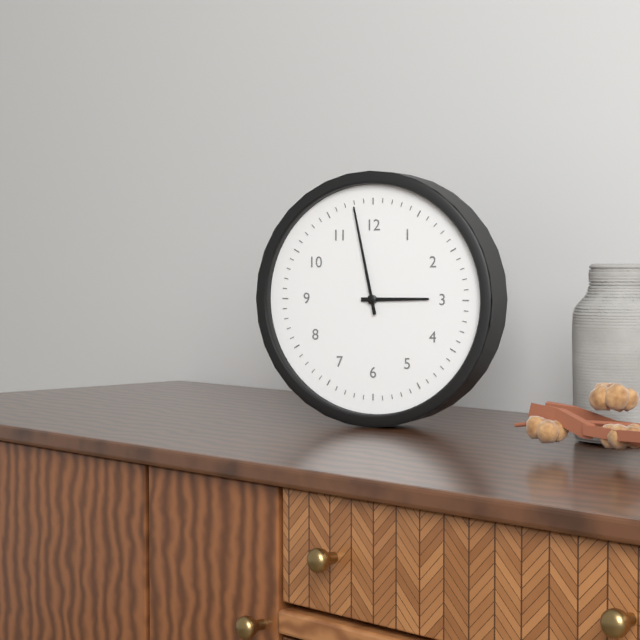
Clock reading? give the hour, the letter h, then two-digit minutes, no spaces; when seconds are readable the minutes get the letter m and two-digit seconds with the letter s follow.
2h58
